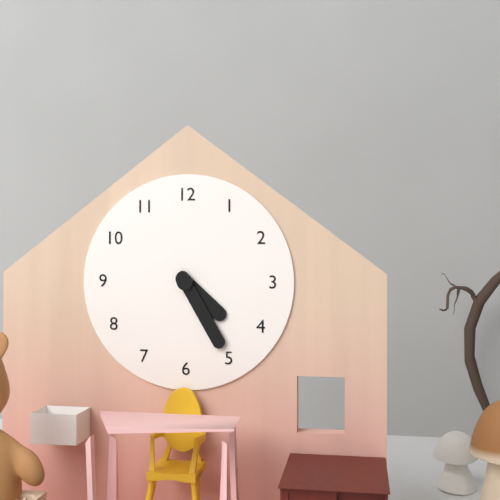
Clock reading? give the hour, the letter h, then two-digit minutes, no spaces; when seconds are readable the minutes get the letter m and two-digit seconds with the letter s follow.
4h25
